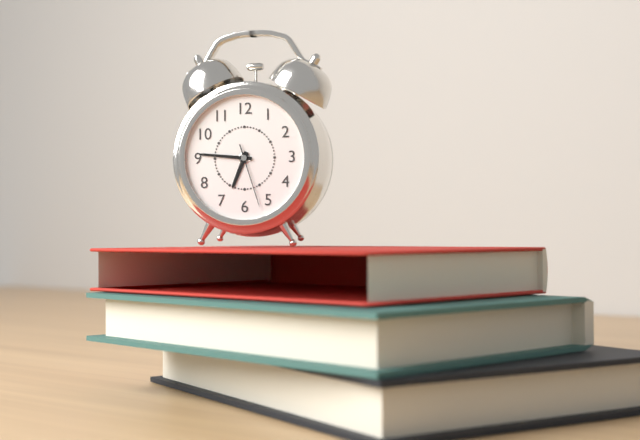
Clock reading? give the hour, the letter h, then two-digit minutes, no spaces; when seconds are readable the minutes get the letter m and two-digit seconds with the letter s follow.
6h46m27s
